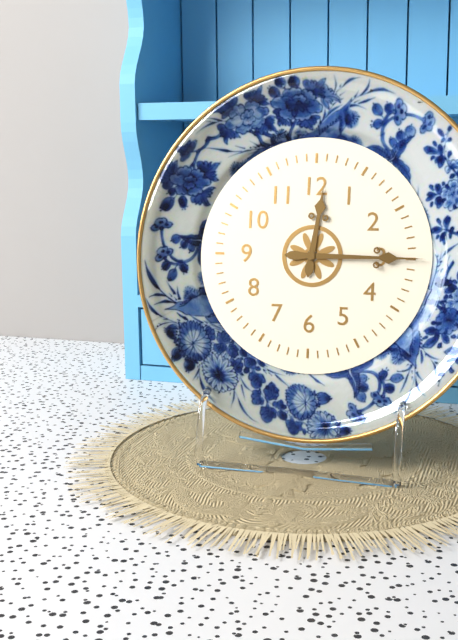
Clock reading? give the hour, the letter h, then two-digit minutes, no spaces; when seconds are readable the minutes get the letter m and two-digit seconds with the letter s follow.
12h15
